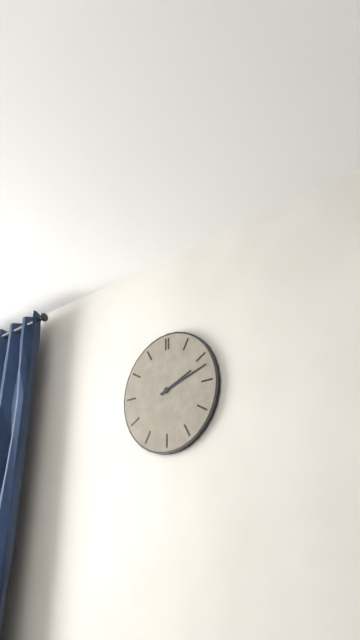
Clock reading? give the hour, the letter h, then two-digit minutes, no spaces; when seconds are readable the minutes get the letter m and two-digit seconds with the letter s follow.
2h12
